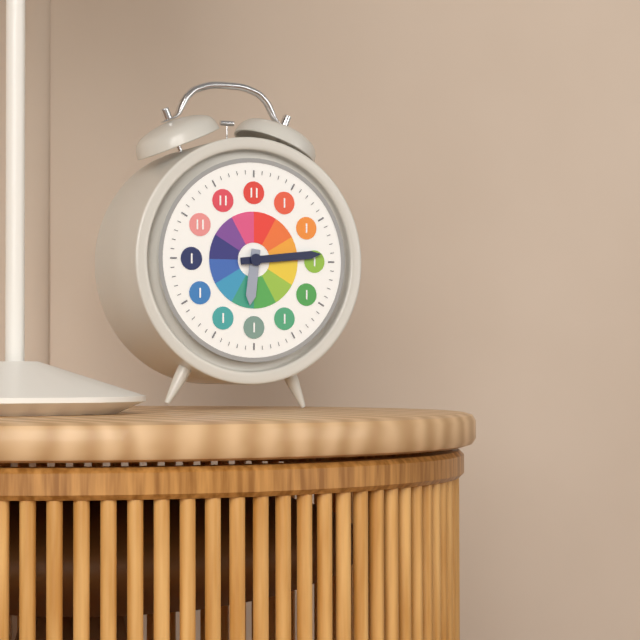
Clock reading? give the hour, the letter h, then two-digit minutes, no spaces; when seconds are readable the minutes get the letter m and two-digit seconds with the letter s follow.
6h14
